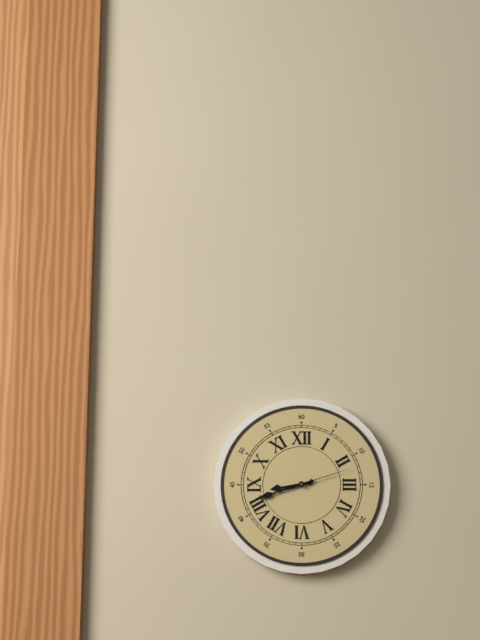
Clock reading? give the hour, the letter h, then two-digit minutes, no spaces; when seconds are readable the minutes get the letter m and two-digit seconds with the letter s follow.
8h42m12s
